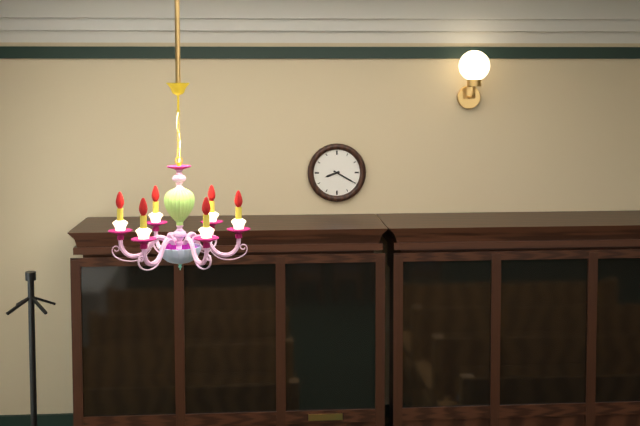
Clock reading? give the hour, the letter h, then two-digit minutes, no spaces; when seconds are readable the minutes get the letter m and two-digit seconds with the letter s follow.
8h20
